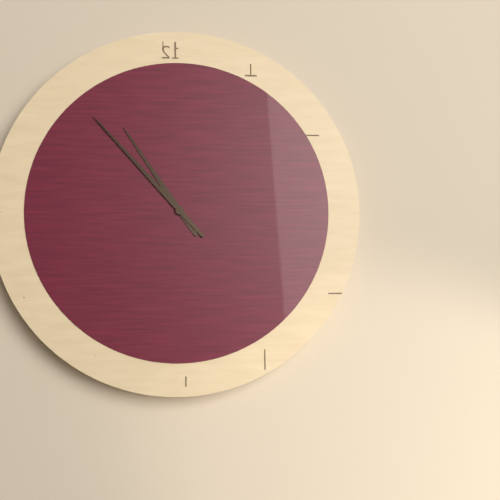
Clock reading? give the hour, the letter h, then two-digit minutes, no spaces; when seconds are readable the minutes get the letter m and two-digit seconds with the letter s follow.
10h53
